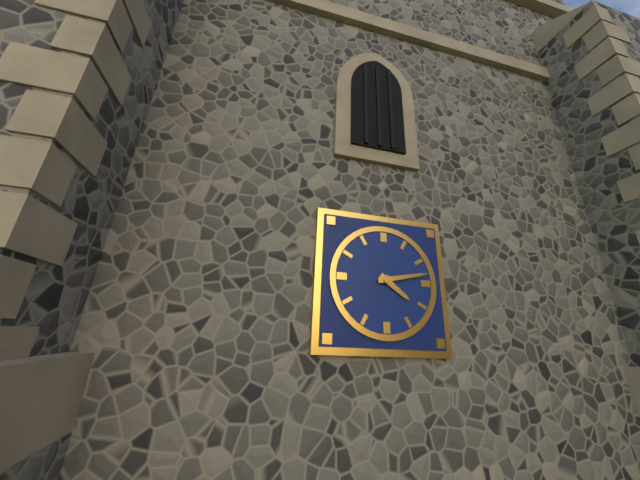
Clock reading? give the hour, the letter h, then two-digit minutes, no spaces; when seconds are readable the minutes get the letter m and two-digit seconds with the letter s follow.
4h13
